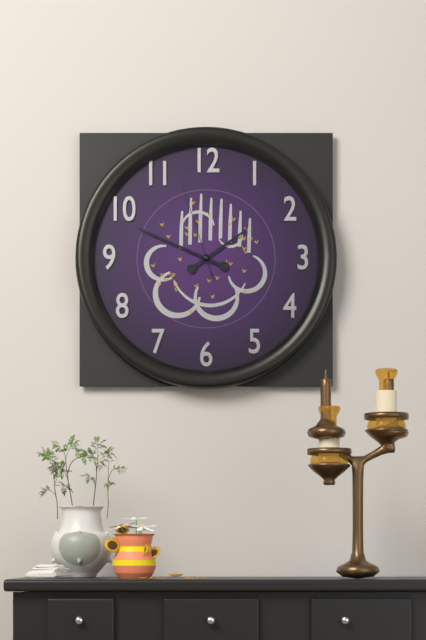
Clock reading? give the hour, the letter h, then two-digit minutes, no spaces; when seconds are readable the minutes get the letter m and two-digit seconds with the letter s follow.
1h49m57s
